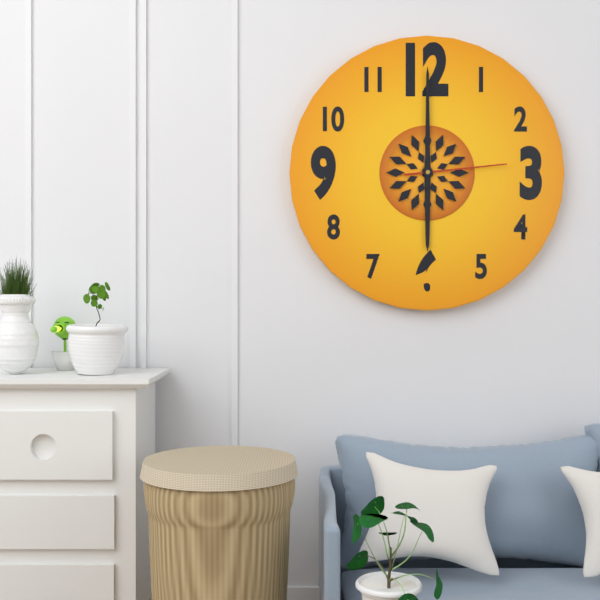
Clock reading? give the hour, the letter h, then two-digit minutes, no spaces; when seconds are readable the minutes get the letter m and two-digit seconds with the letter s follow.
6h00m14s
